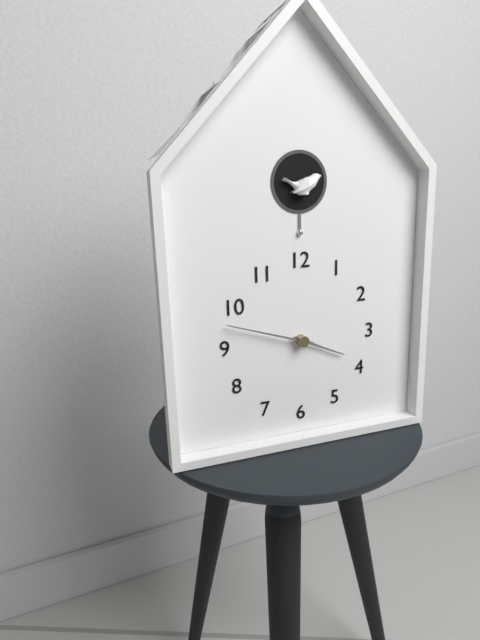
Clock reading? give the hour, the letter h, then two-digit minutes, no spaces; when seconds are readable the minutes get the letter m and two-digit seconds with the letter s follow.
3h48
